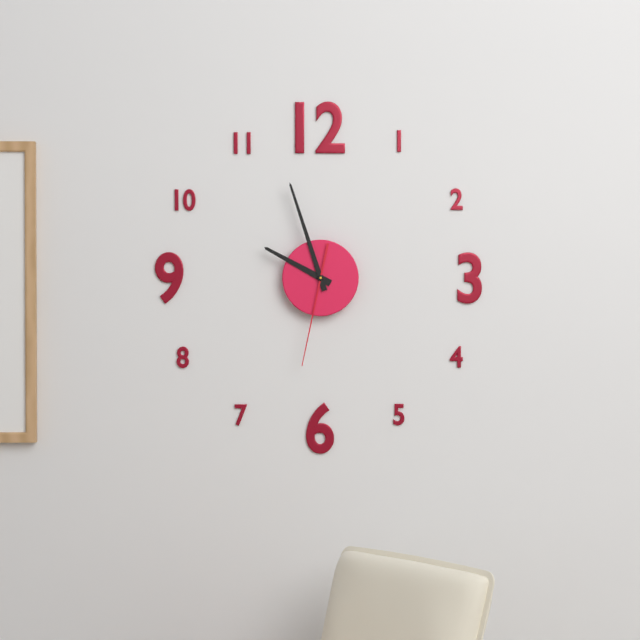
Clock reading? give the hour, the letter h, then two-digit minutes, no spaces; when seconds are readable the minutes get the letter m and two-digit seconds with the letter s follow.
9h57m32s
